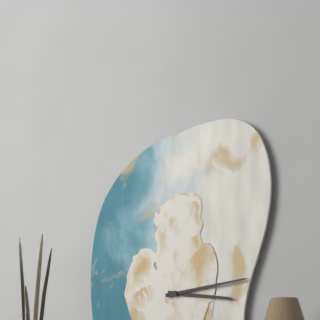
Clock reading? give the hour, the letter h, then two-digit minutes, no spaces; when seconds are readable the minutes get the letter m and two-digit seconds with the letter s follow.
3h14
